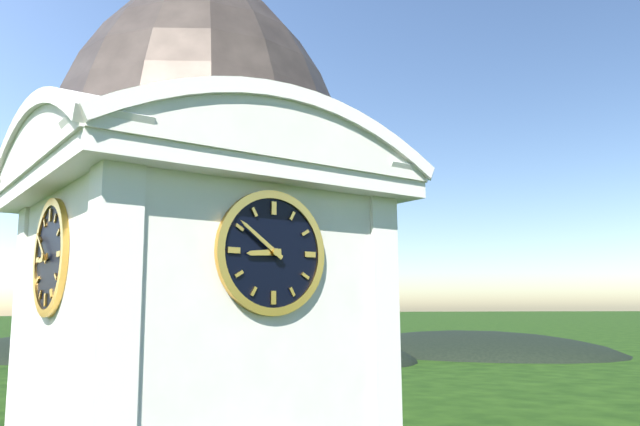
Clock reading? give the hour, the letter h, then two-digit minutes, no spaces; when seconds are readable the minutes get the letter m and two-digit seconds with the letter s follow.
8h51
